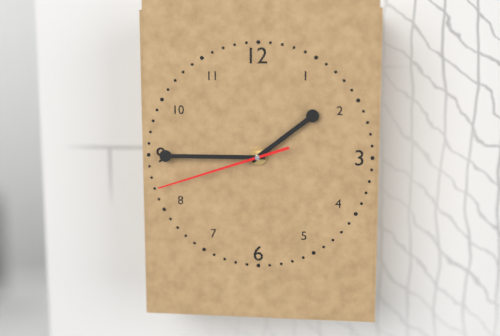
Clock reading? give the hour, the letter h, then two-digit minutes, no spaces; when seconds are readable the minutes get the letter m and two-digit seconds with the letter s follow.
1h45m42s
